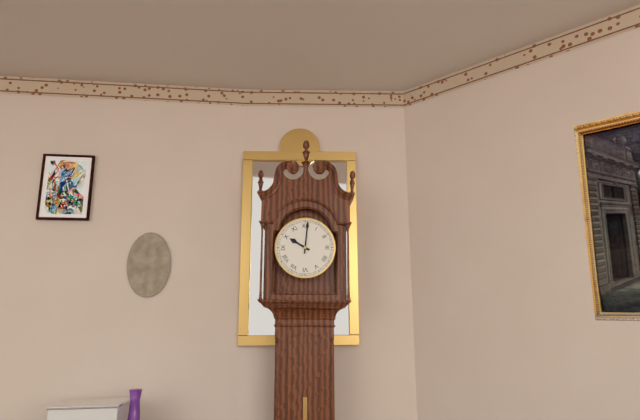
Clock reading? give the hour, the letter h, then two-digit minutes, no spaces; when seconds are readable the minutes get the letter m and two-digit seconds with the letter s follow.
10h01
